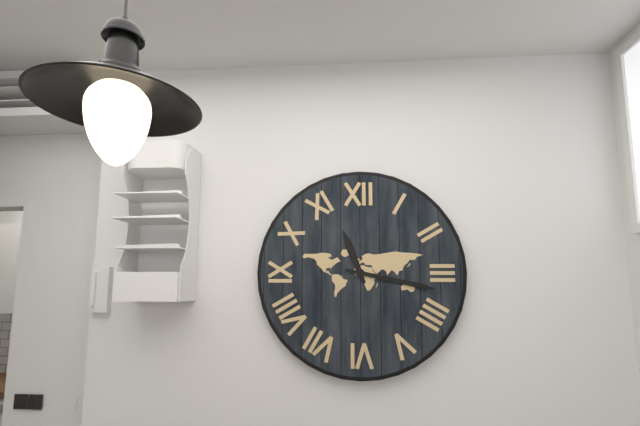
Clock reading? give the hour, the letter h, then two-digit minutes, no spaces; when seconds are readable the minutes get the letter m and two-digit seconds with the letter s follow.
11h17
